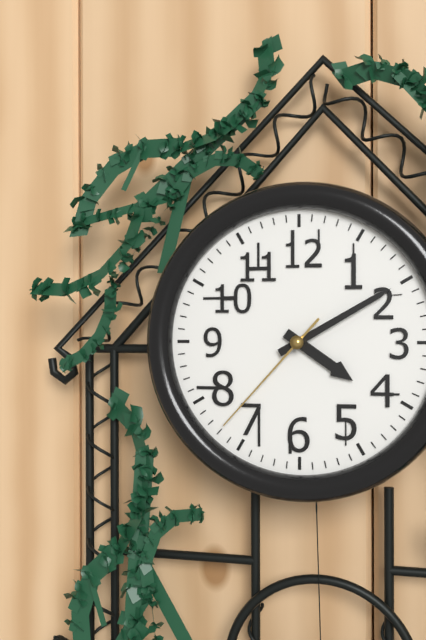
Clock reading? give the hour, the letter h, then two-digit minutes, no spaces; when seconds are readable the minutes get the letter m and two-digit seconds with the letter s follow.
4h10m37s
